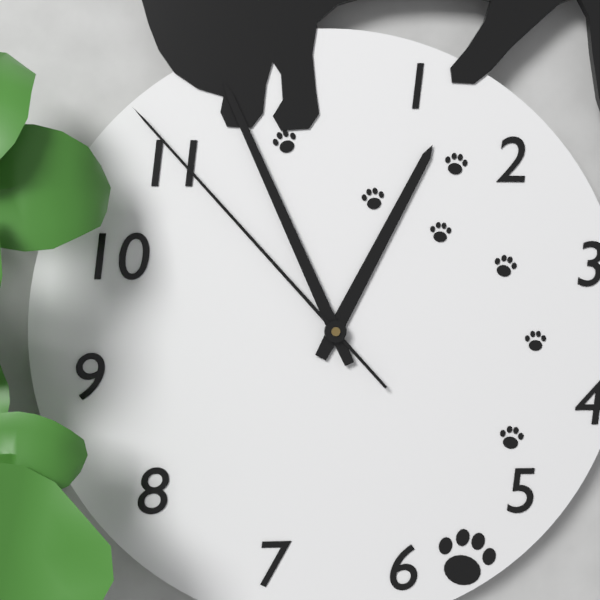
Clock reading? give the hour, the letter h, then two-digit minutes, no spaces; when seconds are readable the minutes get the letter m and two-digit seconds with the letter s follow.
12h56m53s
